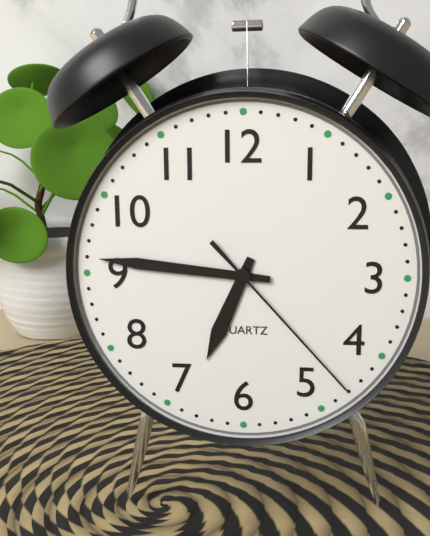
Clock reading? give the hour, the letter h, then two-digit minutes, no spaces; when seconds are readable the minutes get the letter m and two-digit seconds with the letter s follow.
6h46m23s
